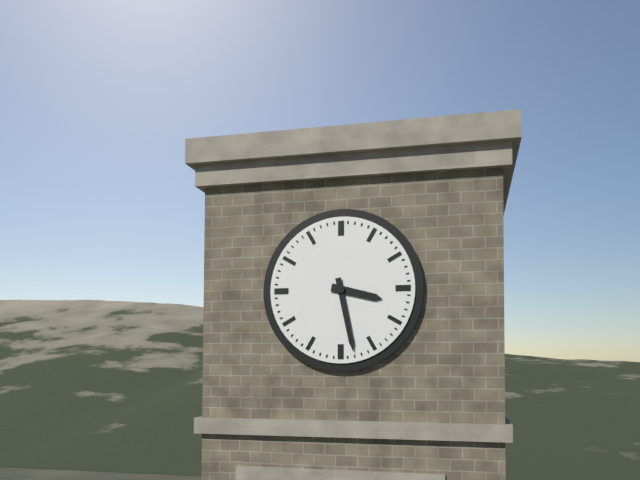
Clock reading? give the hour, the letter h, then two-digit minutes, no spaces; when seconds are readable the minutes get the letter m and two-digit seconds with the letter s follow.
3h28
